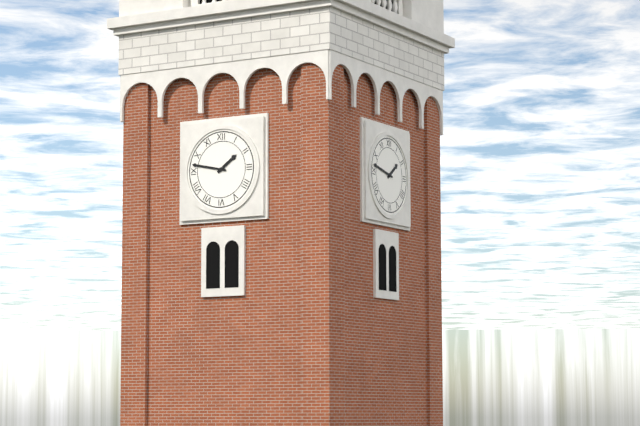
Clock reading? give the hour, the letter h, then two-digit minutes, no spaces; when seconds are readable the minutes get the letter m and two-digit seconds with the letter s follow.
1h47
